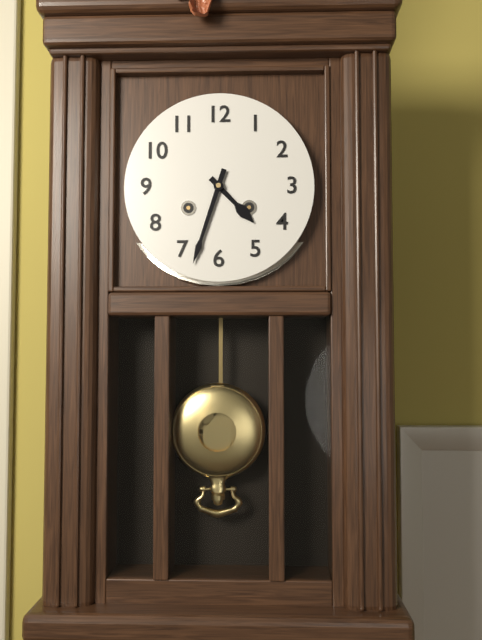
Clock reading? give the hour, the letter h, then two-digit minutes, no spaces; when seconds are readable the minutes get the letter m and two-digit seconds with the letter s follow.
4h33
